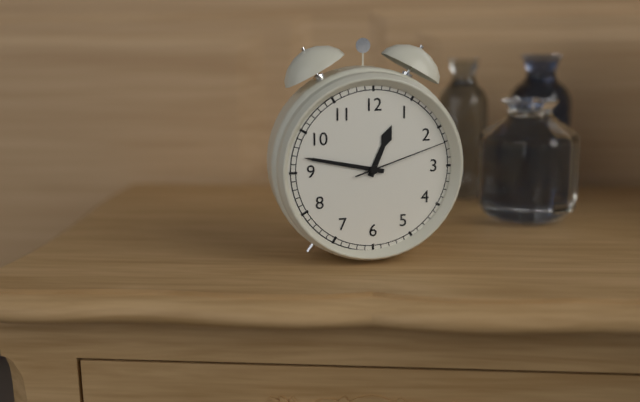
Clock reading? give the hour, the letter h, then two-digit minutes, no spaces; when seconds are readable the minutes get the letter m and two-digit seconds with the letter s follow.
12h47m12s
